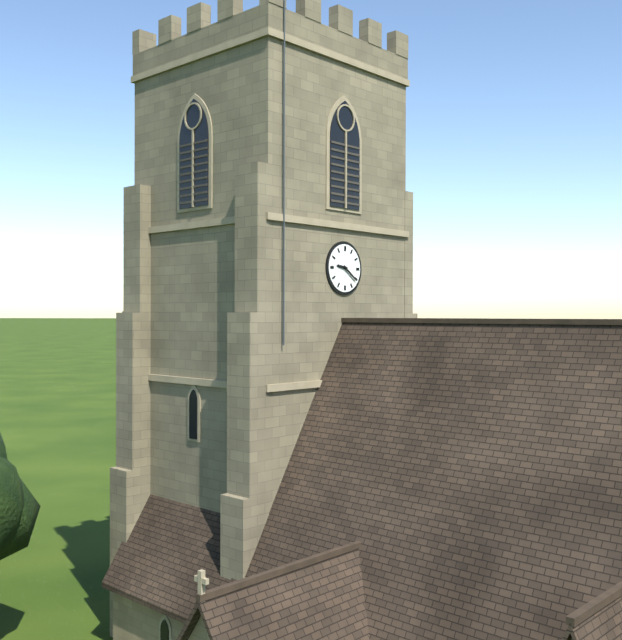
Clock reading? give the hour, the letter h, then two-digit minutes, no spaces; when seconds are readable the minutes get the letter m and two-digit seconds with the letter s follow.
9h21
